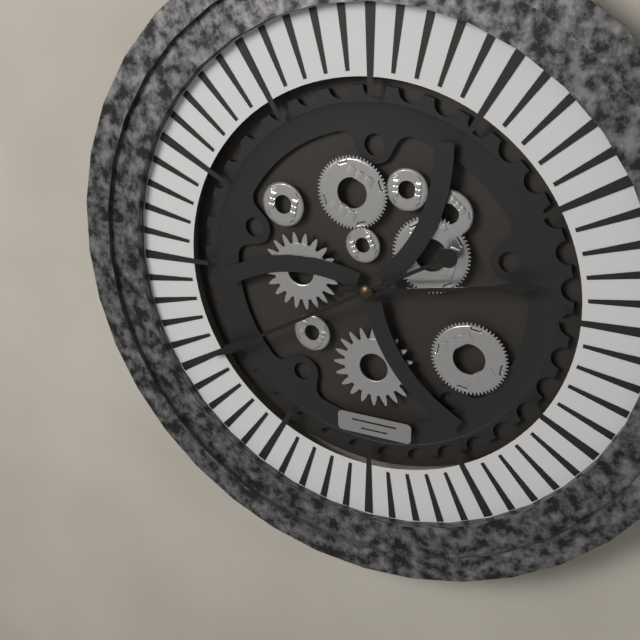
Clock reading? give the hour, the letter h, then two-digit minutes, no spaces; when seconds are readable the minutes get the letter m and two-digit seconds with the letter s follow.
2h40
